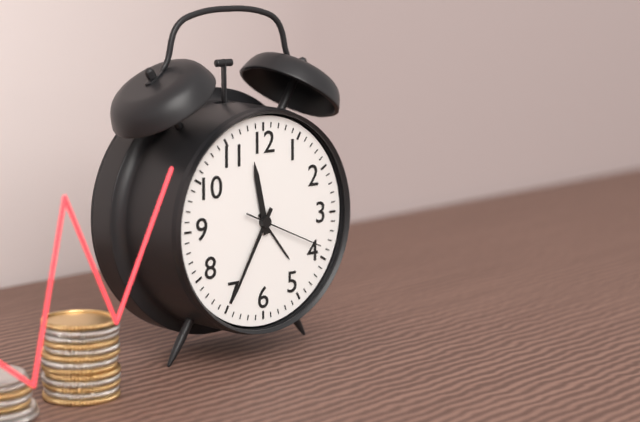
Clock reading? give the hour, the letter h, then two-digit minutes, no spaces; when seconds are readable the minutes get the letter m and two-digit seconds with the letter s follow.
11h35m19s
